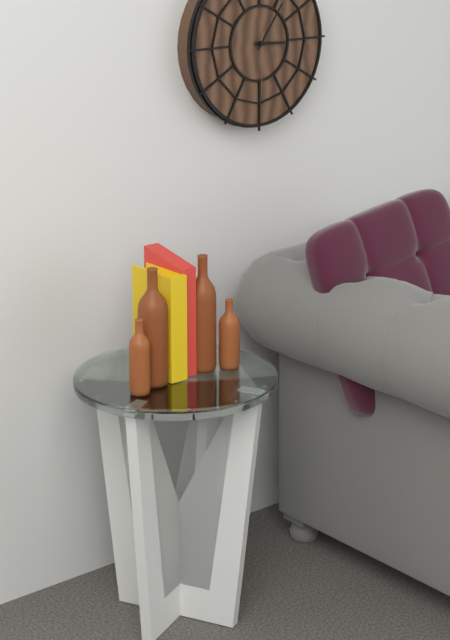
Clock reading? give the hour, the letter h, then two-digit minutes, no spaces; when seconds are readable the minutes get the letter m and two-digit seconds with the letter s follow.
3h06m30s
